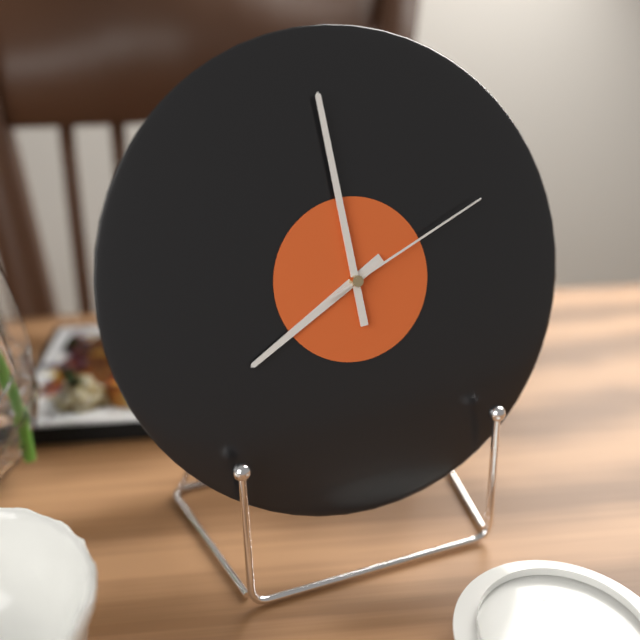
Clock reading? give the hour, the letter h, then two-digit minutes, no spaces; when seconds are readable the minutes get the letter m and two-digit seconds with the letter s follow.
7h59m11s
